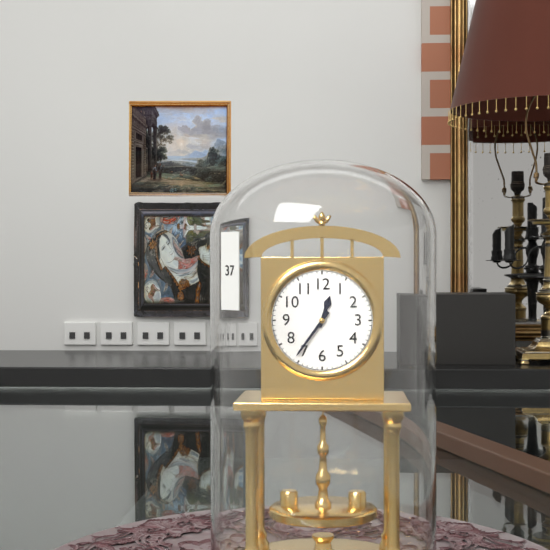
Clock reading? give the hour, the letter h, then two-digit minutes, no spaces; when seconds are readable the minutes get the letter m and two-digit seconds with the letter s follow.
12h36
